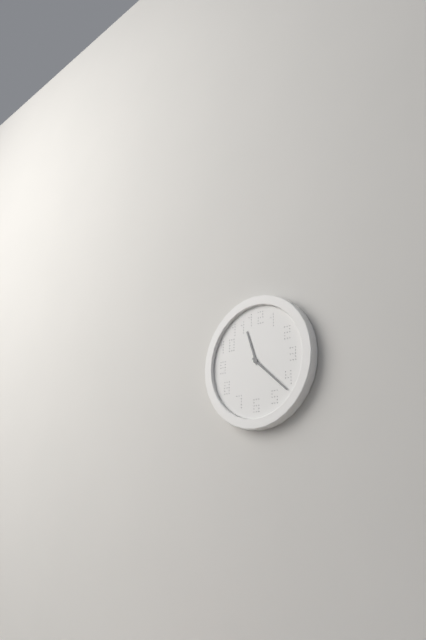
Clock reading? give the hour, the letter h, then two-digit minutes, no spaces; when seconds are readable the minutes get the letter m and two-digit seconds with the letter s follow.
11h22
